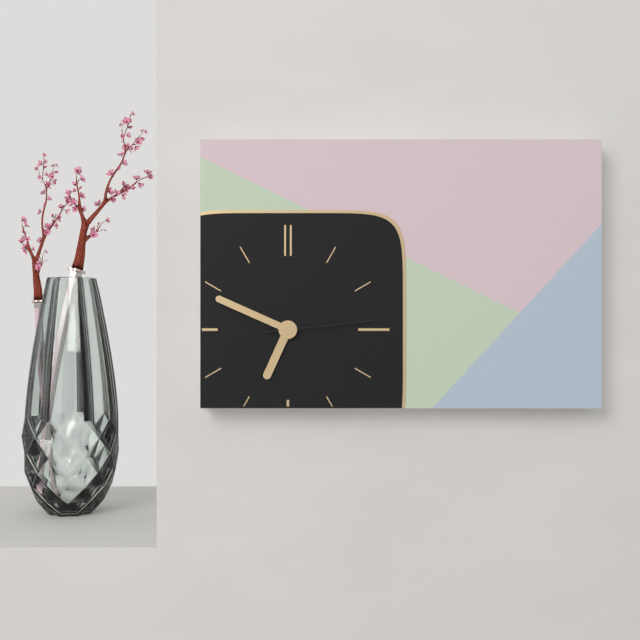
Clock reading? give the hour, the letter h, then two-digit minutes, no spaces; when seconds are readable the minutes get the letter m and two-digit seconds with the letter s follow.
6h49m14s
